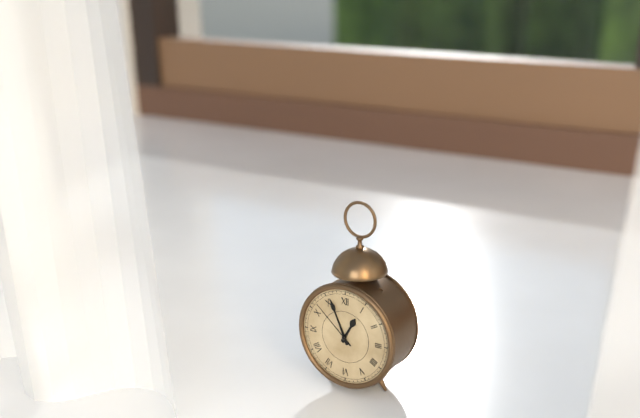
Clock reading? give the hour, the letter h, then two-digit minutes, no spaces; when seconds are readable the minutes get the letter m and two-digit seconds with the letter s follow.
12h56m52s
